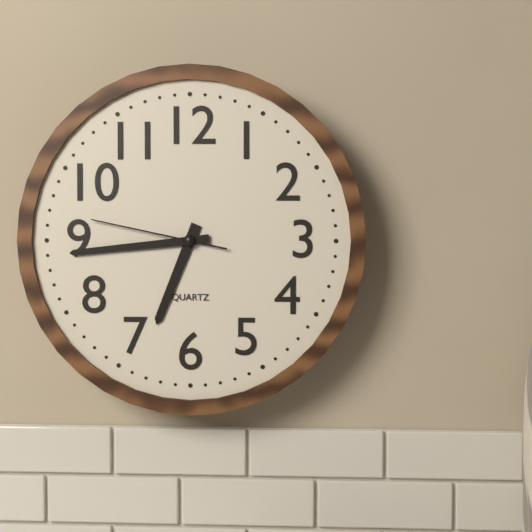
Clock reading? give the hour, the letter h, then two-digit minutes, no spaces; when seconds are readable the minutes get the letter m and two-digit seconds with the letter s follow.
6h44m47s
